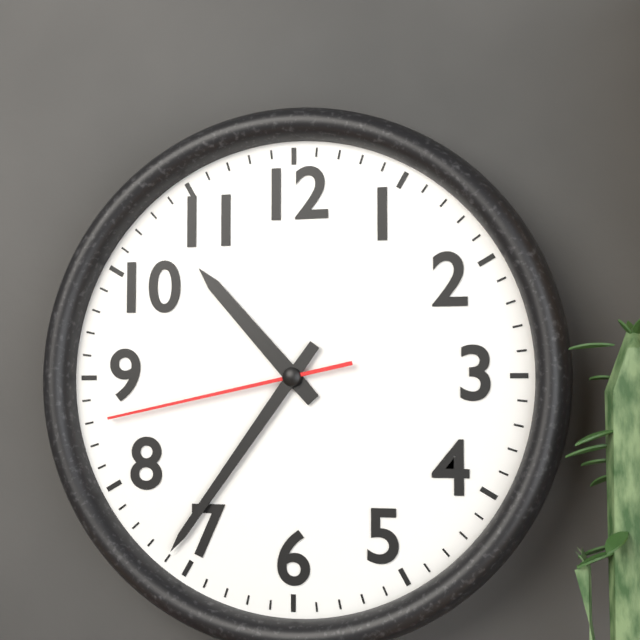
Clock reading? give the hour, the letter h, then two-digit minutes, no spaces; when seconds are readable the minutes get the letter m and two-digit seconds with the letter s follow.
10h36m43s
